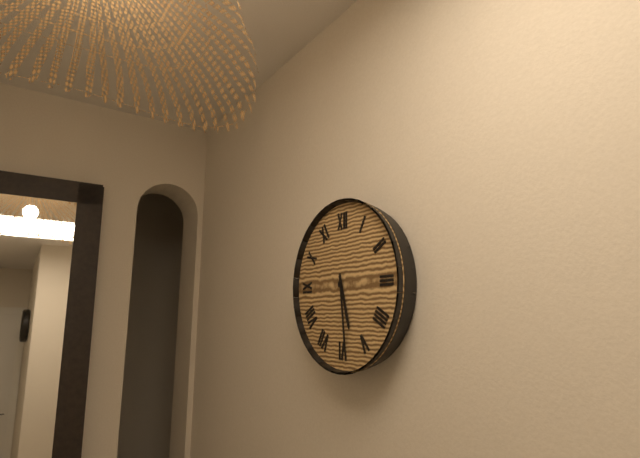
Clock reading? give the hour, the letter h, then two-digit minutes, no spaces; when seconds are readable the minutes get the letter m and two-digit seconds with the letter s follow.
5h29
